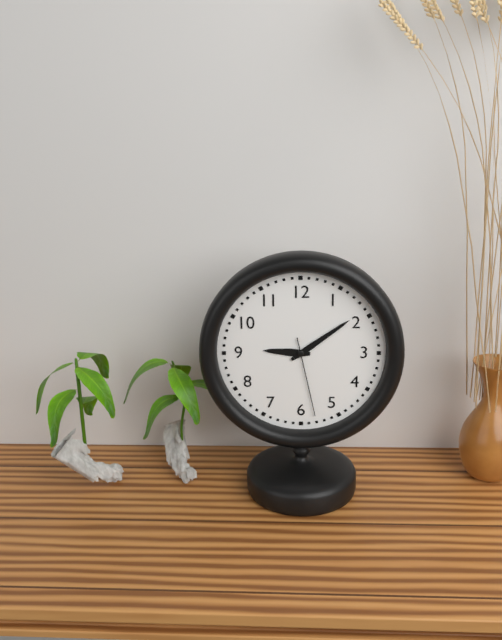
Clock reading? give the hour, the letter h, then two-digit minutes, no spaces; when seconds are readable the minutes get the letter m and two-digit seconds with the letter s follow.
9h09m28s
